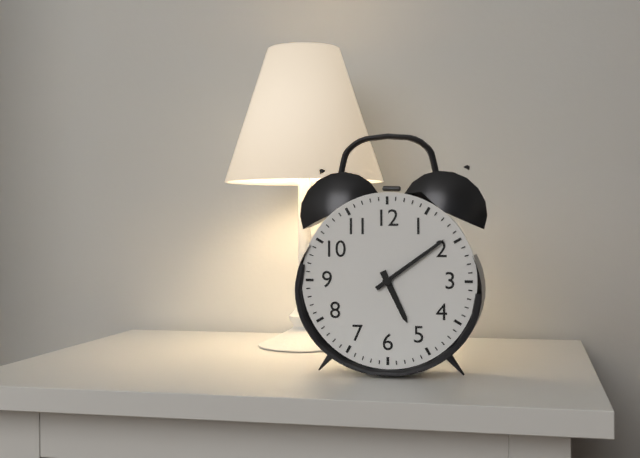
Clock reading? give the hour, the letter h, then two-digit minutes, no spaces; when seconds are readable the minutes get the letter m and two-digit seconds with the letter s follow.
5h09
